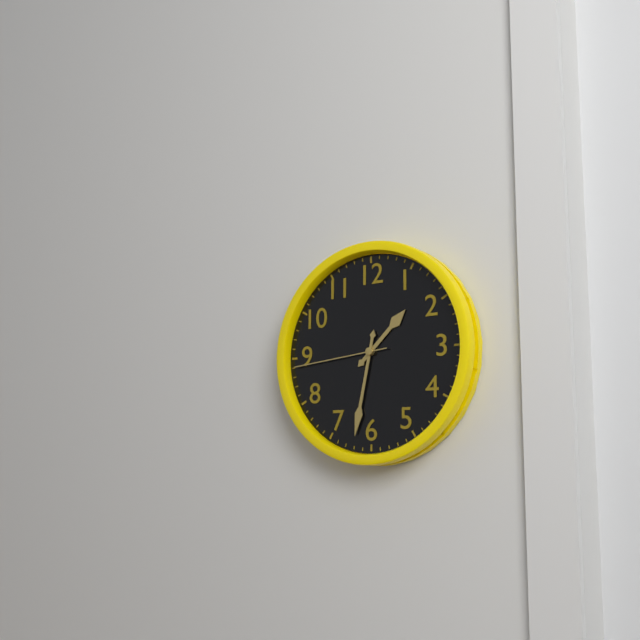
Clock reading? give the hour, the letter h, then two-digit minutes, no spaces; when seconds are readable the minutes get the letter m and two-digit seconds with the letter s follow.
1h32m44s
